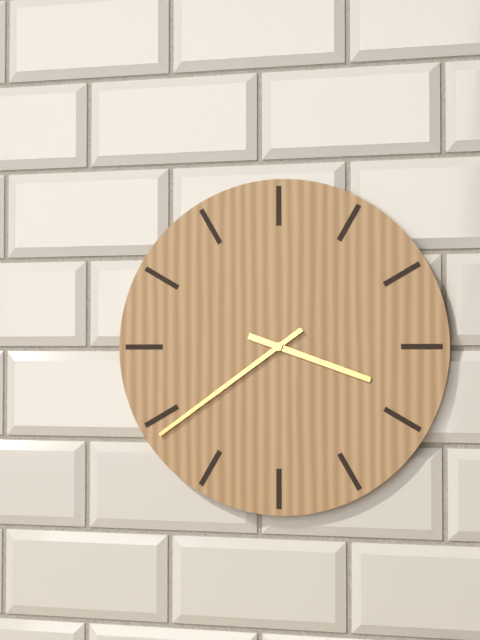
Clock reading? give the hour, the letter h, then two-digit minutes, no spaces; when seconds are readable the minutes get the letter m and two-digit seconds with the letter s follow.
3h39
